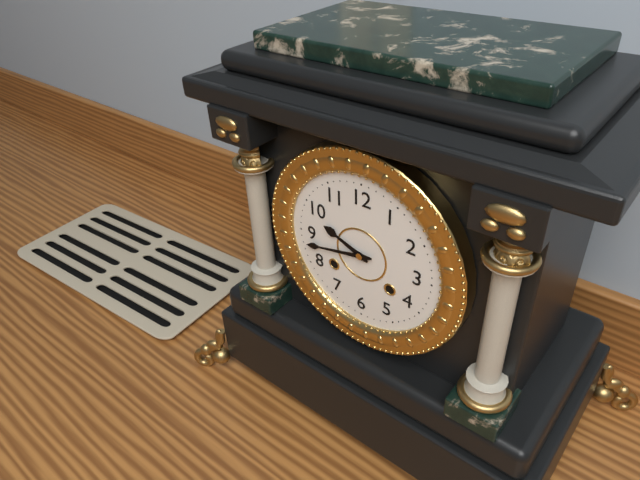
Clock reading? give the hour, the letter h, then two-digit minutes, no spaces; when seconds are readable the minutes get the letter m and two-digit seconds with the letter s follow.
9h43
